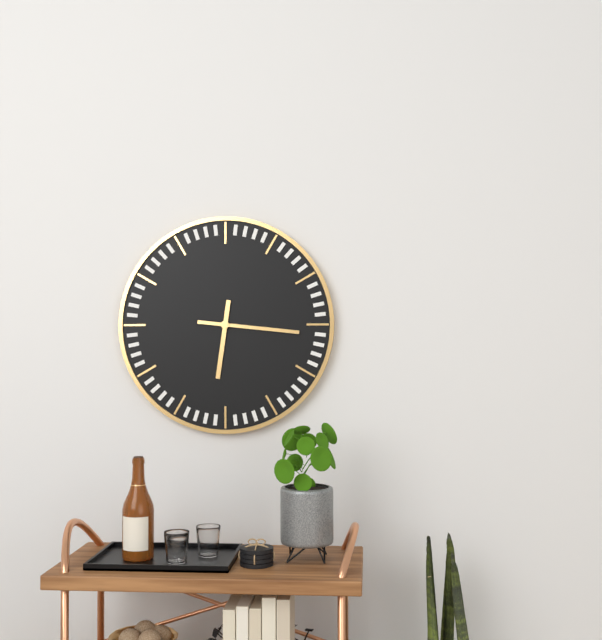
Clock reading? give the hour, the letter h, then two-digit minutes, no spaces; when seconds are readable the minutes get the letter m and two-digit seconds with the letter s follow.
6h16
